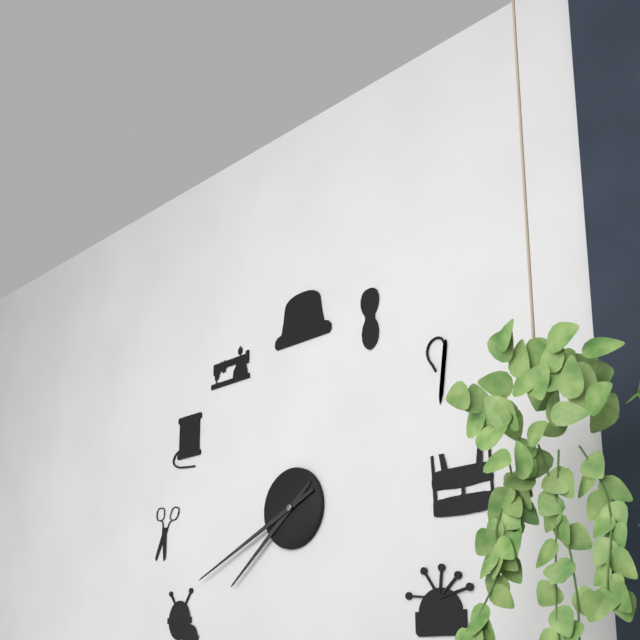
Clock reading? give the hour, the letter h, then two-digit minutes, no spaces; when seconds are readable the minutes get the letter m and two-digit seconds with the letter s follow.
7h41
